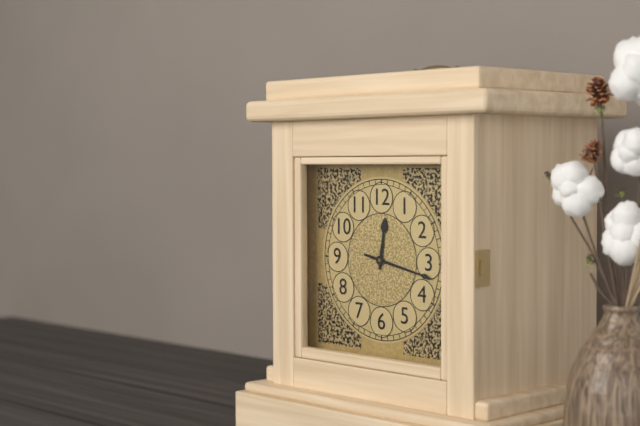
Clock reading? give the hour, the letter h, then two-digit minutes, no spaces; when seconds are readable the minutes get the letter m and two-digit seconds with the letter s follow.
12h17
